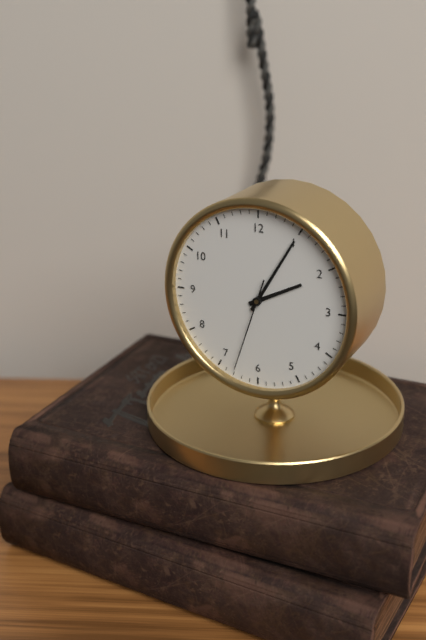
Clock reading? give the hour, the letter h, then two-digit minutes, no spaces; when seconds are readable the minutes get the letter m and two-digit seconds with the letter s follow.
2h05m33s
